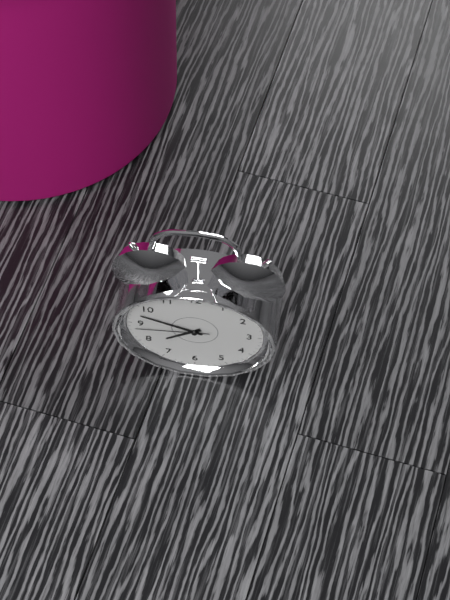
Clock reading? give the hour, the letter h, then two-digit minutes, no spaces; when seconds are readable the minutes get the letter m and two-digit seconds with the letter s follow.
7h48m44s
